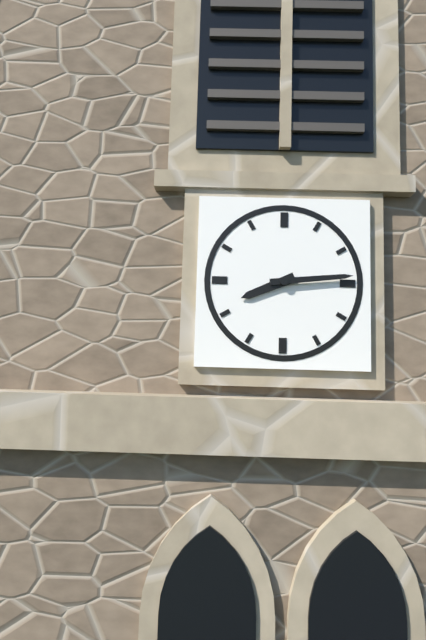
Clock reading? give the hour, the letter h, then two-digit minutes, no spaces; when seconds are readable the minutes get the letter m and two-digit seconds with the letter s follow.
8h14
